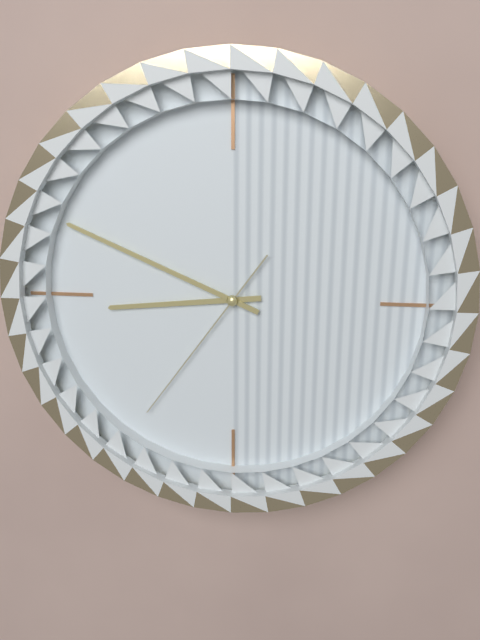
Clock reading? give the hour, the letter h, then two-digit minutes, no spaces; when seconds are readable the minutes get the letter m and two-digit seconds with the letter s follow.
8h49m36s
